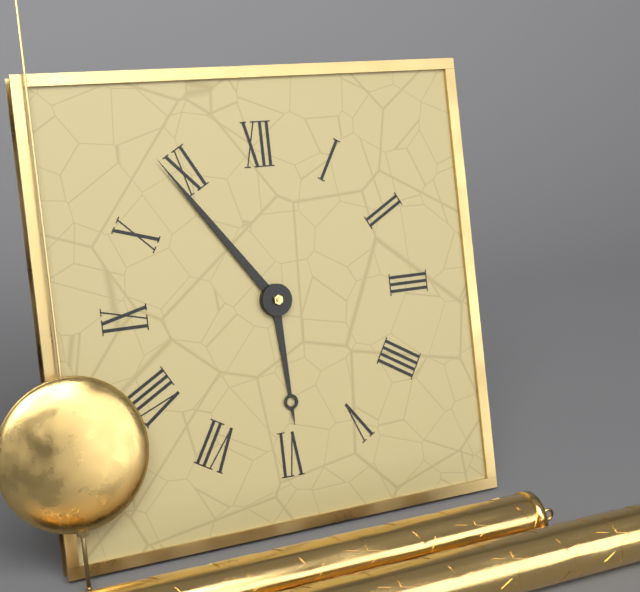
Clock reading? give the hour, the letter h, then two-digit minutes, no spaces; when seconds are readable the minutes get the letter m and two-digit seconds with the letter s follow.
5h54
